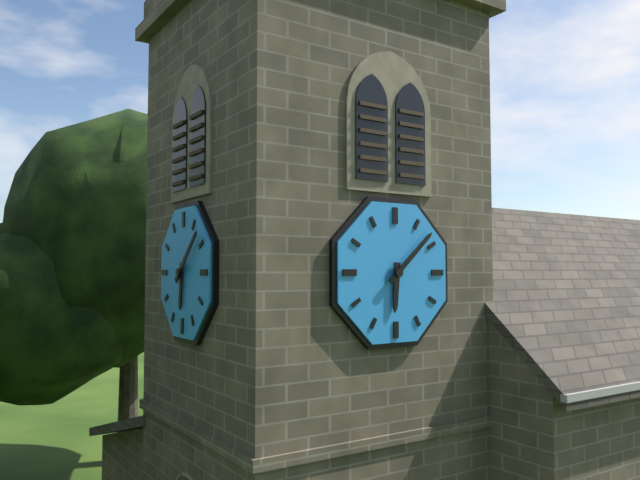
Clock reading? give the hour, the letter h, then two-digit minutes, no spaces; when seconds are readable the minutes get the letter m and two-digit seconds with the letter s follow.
6h08
